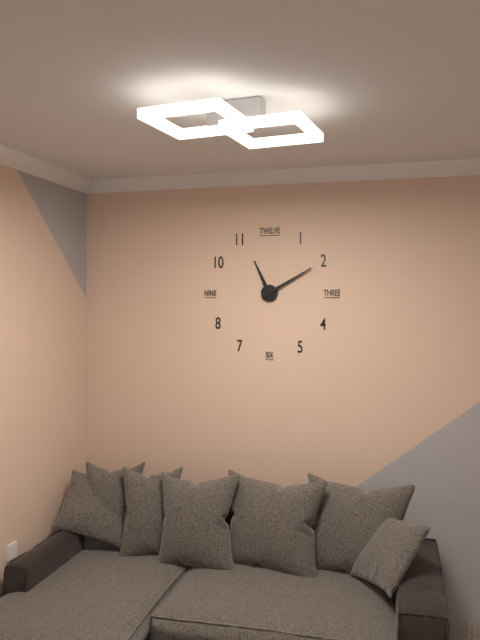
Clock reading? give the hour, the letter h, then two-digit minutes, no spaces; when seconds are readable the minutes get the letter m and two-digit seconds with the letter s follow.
11h10
